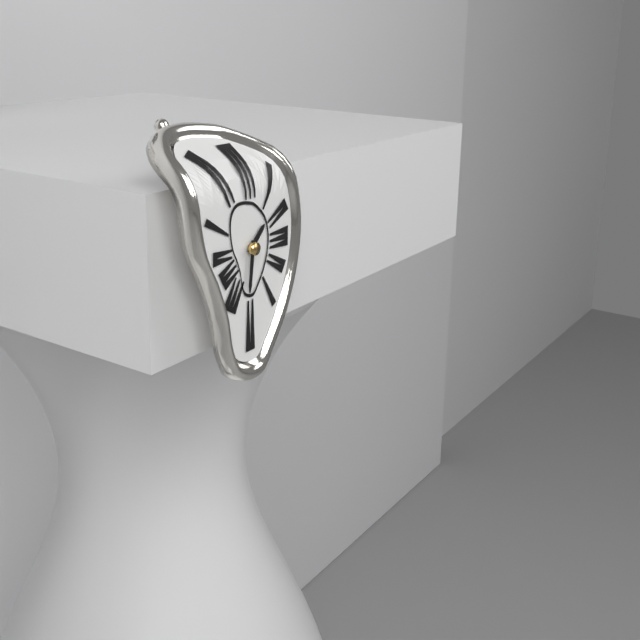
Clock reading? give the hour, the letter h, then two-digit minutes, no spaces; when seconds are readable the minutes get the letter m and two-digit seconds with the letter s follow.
1h31
